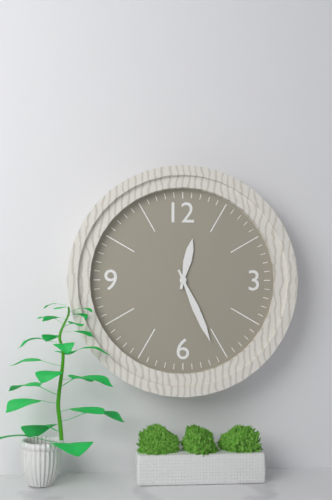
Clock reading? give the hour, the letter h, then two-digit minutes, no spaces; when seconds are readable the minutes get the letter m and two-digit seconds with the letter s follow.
12h26
